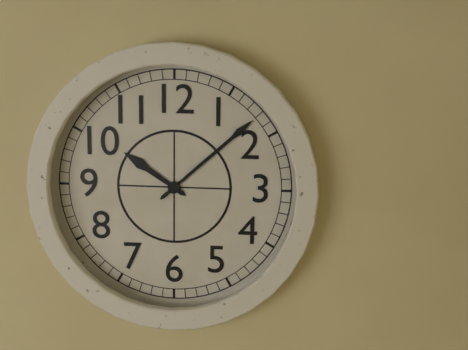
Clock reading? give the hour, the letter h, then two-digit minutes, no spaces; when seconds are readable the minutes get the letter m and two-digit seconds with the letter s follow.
10h08
